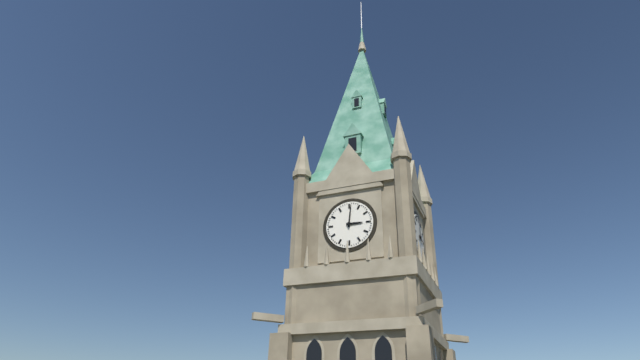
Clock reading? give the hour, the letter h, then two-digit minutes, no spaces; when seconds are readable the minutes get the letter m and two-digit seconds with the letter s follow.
3h01
